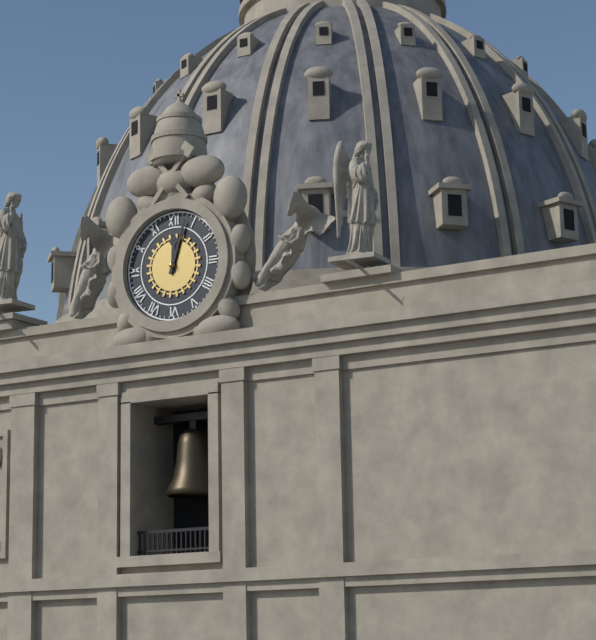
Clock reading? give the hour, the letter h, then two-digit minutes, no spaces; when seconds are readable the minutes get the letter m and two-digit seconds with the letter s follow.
12h03
